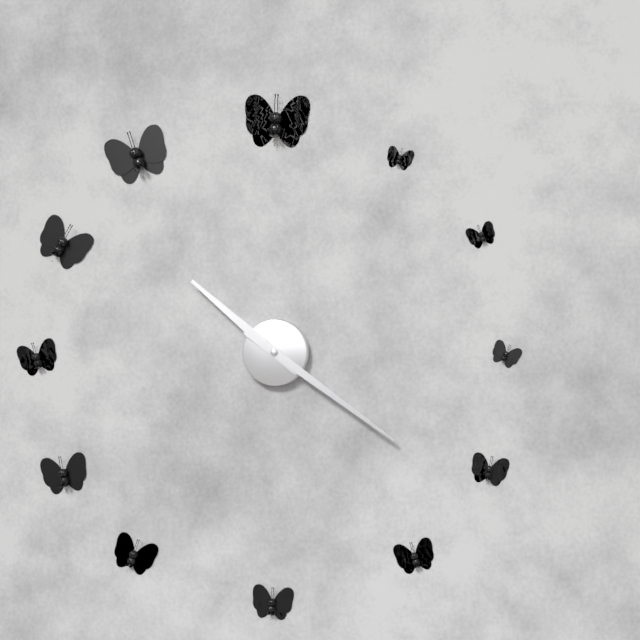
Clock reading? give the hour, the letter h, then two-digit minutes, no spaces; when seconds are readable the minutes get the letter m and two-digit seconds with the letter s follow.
10h21
